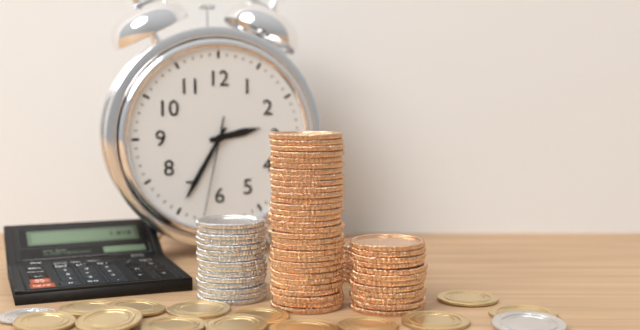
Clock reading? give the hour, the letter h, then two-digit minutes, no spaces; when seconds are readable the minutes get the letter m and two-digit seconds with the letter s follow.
2h35m32s
